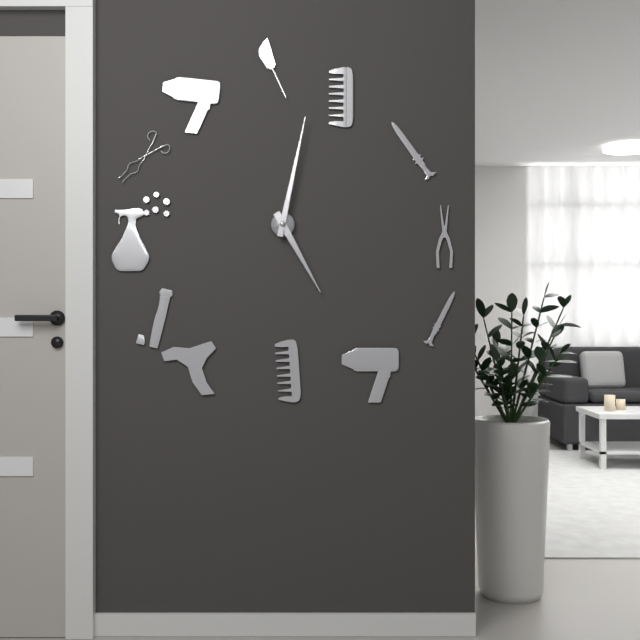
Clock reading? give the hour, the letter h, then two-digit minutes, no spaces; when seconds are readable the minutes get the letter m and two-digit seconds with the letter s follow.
5h02
